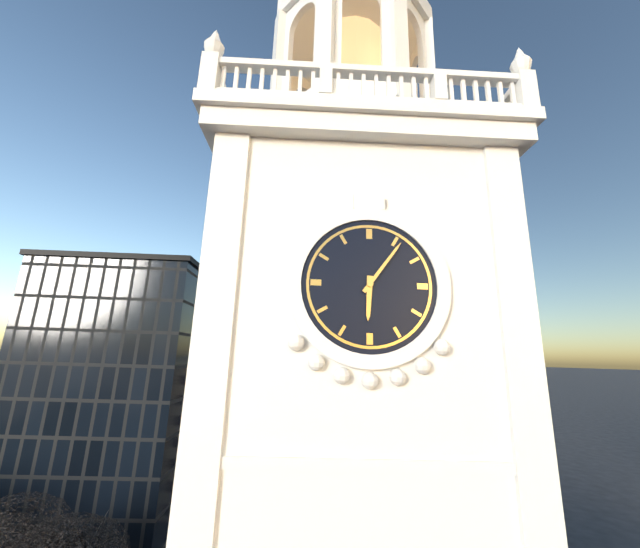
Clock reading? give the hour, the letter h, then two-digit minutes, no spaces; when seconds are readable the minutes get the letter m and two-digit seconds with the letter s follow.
6h06
